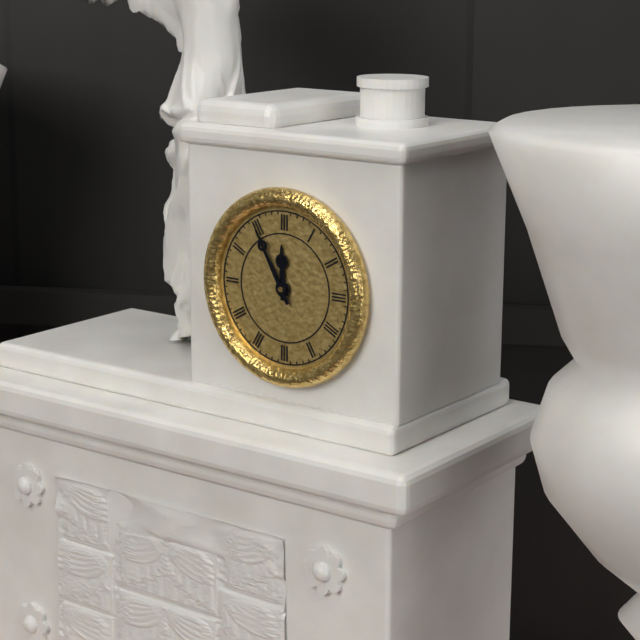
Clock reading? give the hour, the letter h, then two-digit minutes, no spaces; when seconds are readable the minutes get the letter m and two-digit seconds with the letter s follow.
11h55
